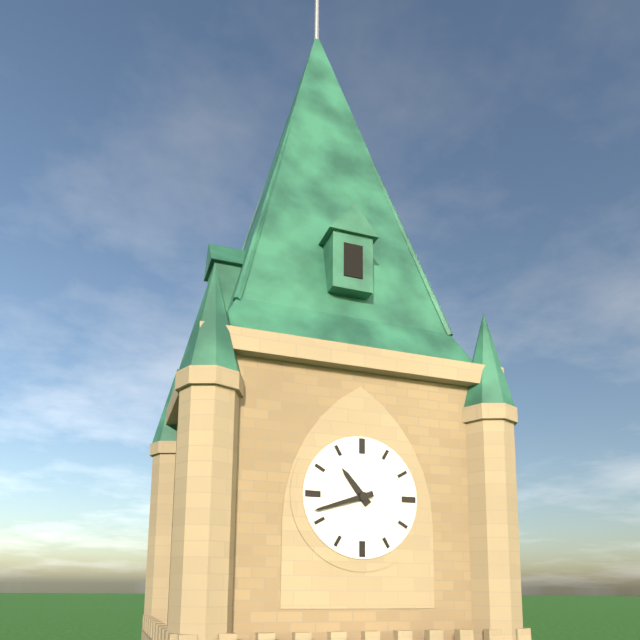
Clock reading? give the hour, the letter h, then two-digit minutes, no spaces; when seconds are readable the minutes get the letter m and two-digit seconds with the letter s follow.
10h42
